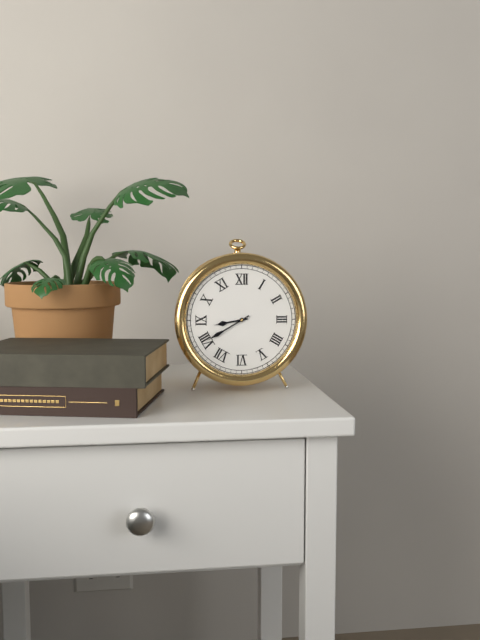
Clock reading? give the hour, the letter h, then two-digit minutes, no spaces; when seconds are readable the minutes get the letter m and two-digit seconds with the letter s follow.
8h40
